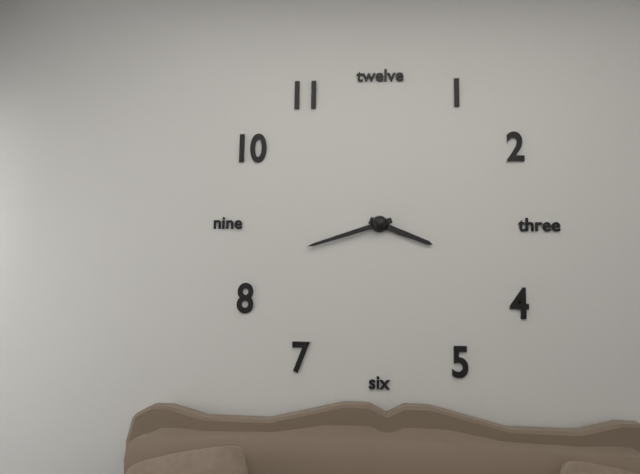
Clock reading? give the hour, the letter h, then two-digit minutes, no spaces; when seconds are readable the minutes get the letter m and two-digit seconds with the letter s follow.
3h42
